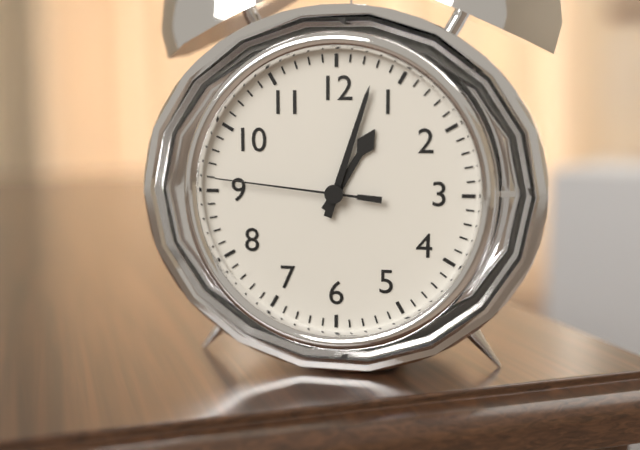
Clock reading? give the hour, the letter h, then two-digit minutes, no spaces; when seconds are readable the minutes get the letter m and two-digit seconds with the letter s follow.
1h03m46s
